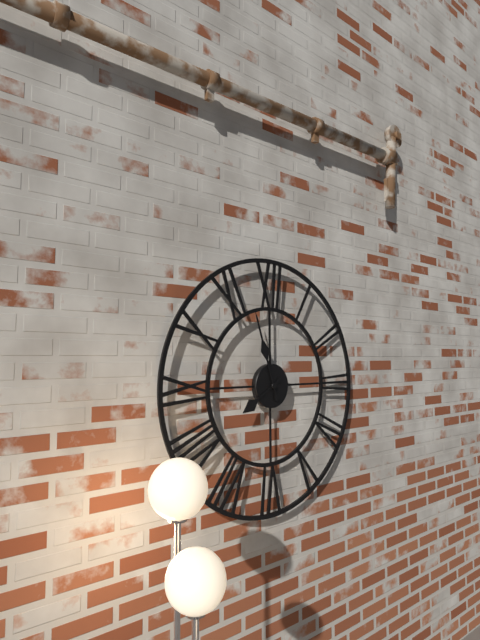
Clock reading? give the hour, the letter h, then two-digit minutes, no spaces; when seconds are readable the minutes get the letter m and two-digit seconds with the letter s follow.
7h57
